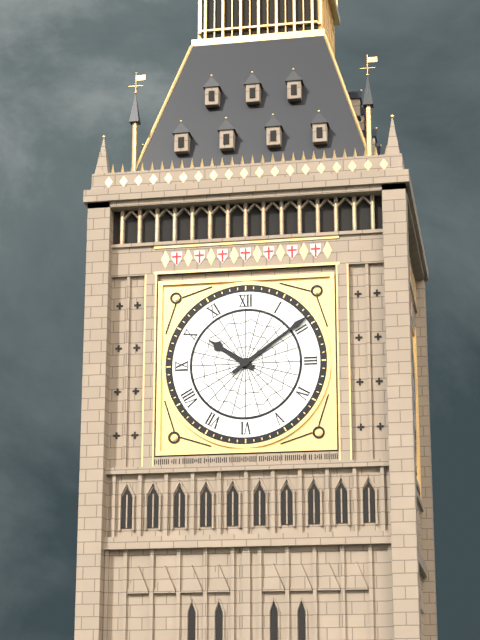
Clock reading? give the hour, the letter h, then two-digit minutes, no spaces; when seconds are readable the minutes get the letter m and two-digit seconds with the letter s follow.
10h09
